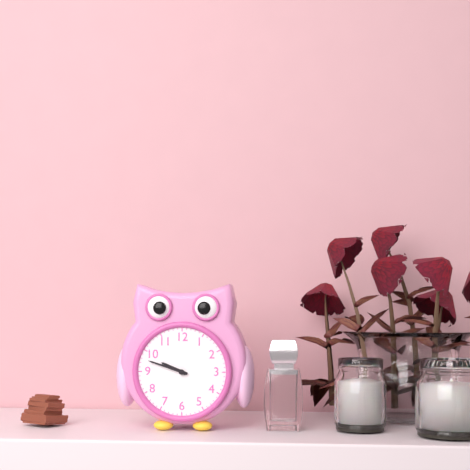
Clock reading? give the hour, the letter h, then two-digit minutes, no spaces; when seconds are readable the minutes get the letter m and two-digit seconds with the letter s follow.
9h48
